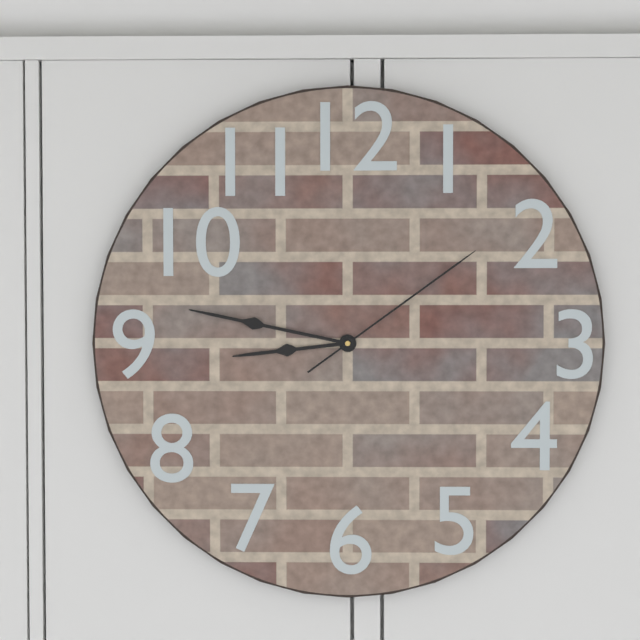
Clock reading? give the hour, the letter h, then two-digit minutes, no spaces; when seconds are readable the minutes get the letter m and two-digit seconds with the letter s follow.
8h47m09s
